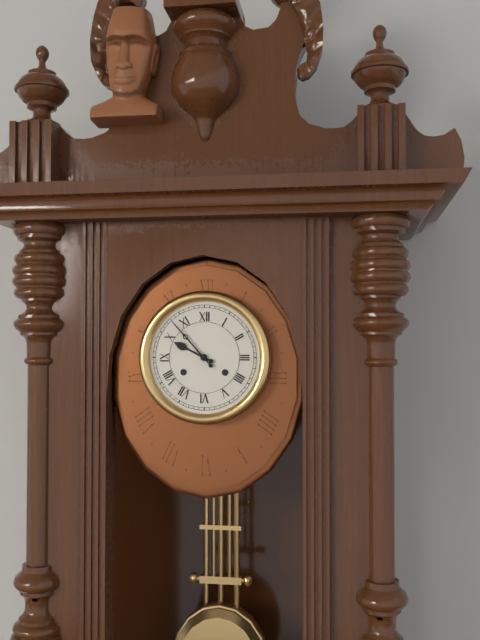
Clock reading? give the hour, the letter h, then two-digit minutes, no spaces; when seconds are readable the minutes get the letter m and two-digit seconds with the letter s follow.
9h53
